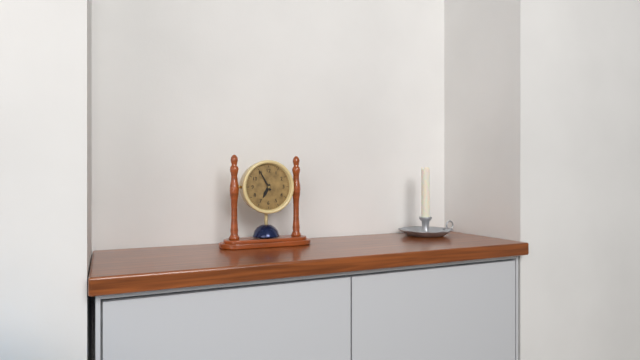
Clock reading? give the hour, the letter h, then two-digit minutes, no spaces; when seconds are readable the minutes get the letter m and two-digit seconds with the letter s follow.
6h55
